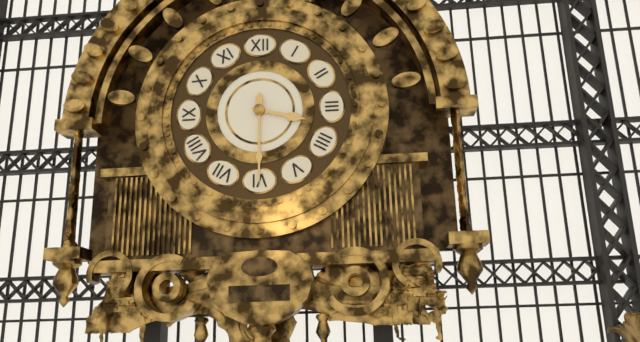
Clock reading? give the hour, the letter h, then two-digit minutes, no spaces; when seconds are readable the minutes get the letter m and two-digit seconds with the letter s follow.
3h30
